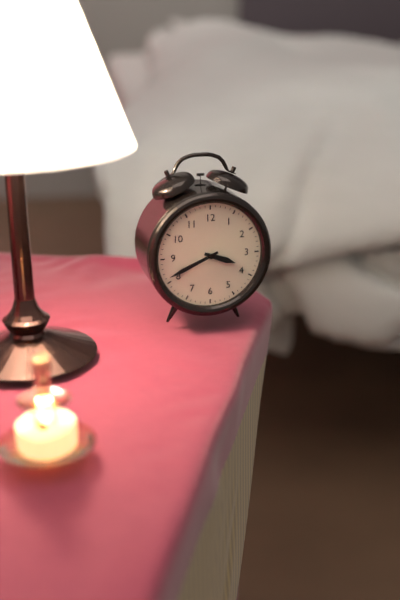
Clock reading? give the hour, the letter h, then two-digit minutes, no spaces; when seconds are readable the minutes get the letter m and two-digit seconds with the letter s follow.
3h41
